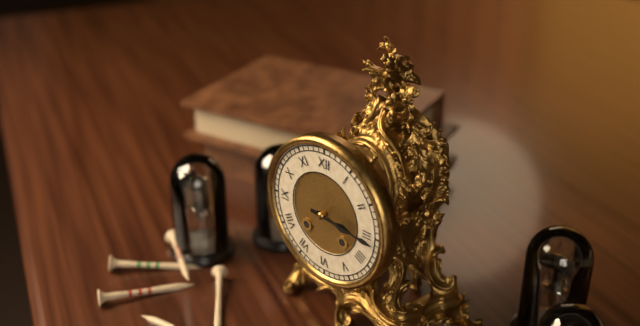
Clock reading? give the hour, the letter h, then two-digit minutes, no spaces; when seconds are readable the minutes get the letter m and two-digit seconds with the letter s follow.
3h16
